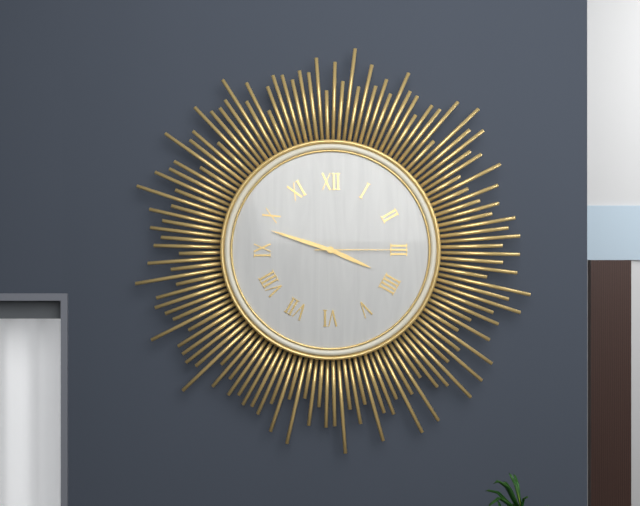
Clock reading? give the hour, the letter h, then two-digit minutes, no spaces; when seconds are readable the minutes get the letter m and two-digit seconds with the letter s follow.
3h48m15s
